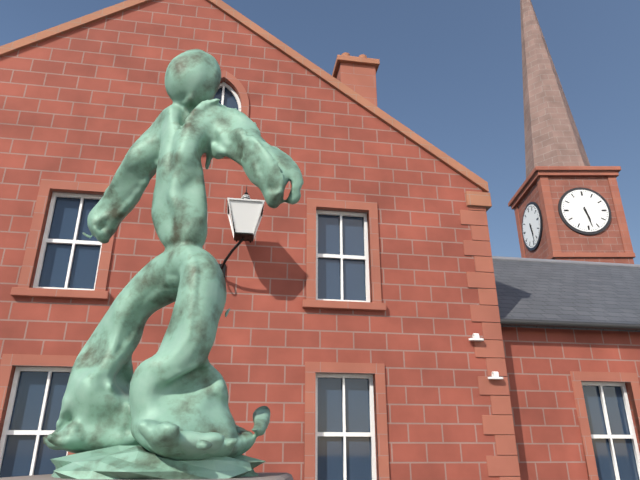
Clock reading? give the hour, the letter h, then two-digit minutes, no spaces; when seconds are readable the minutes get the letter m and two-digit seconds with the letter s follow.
5h28
